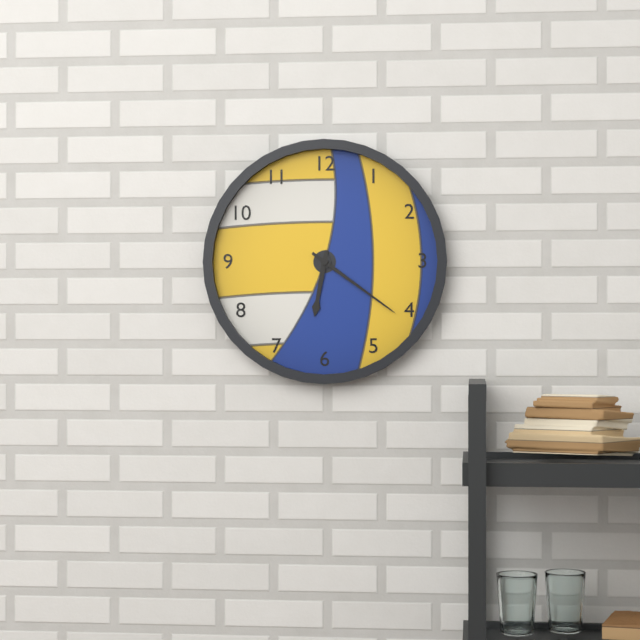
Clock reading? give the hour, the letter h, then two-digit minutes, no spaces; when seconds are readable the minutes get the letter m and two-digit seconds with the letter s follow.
6h21
